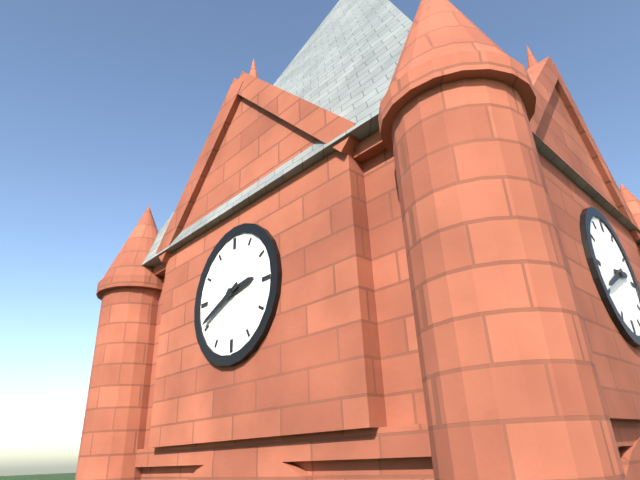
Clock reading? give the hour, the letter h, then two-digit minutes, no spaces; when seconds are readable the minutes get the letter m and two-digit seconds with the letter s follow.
2h41
